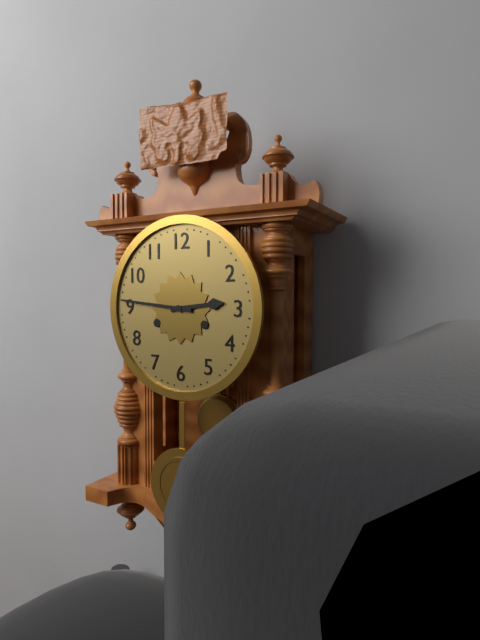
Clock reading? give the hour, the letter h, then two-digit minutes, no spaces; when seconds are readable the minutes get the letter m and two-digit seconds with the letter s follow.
2h46
